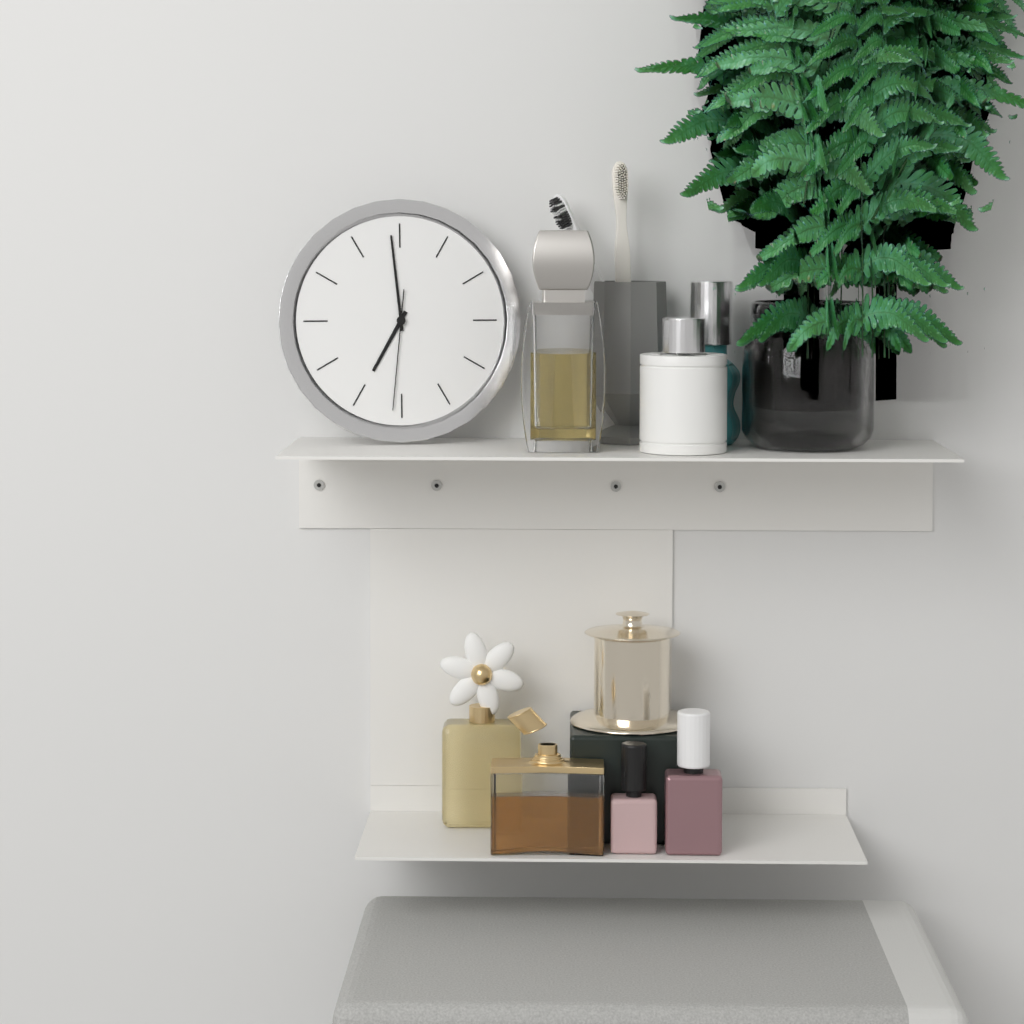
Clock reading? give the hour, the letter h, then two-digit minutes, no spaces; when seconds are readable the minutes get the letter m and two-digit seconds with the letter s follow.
6h59m31s
